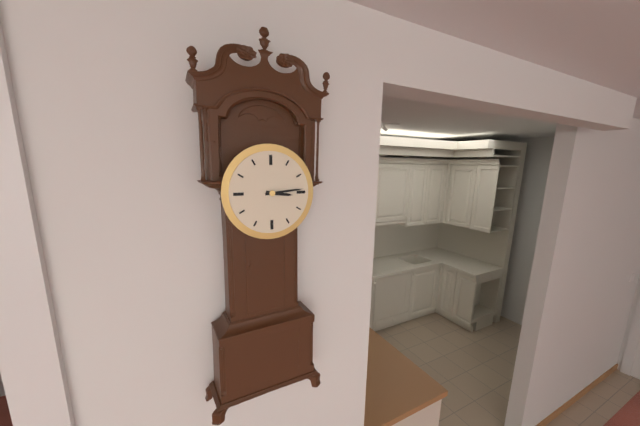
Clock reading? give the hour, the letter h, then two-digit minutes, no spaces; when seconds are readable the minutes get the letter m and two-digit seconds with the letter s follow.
3h14
